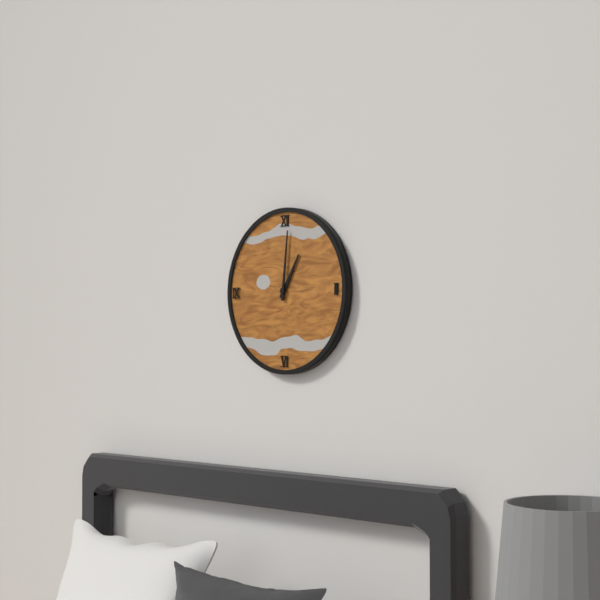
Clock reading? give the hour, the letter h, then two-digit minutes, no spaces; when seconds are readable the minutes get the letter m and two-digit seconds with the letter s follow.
1h01
